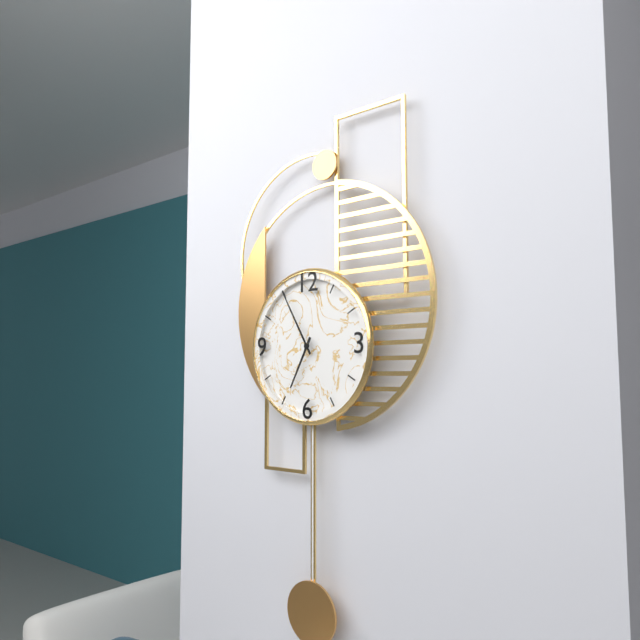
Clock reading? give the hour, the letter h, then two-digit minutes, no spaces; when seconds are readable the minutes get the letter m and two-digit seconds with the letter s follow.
6h55
